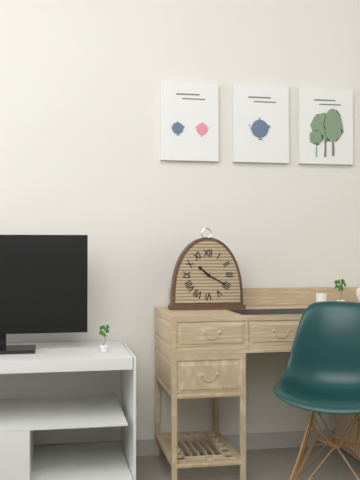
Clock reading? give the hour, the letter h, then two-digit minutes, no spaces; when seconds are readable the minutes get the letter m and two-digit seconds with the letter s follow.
10h20
